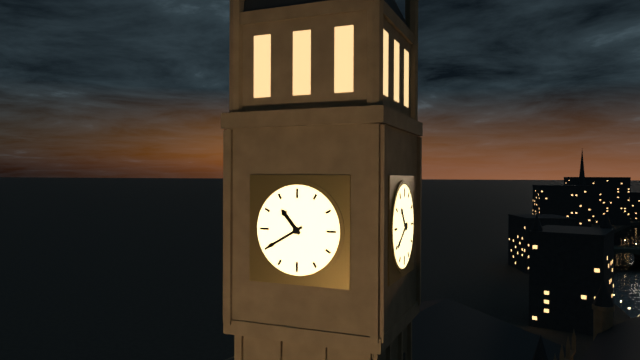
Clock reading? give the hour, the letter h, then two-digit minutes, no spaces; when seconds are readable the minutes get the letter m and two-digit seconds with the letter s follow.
10h40
